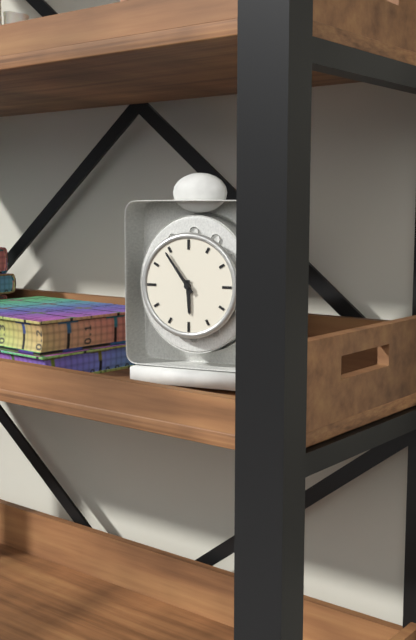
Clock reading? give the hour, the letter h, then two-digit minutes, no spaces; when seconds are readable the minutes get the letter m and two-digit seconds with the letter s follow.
5h54
